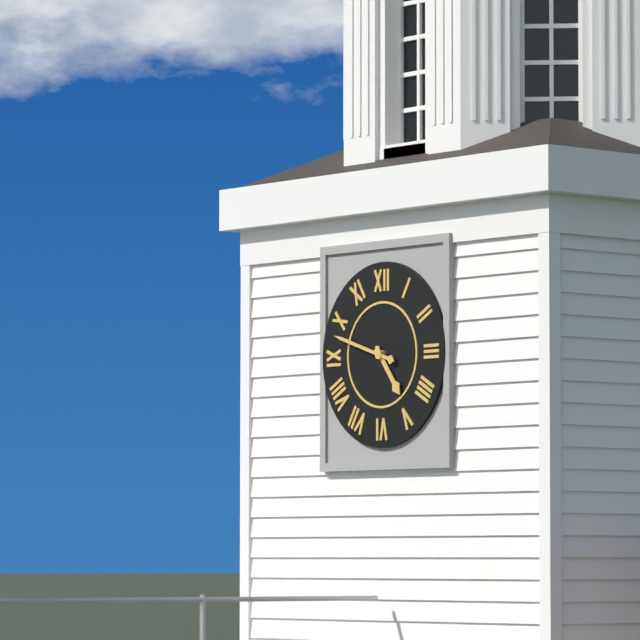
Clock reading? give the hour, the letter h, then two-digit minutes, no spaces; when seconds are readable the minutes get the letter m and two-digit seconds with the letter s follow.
4h48
